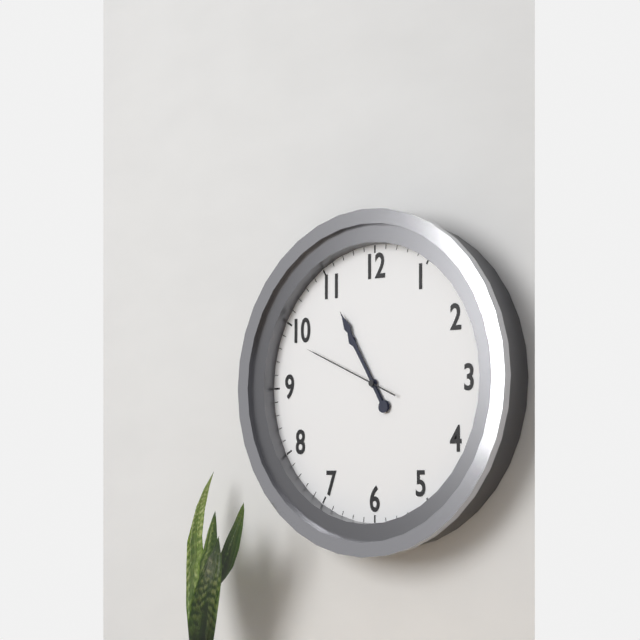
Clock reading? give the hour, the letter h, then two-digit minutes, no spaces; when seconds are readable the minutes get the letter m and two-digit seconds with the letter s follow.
10h55m49s
